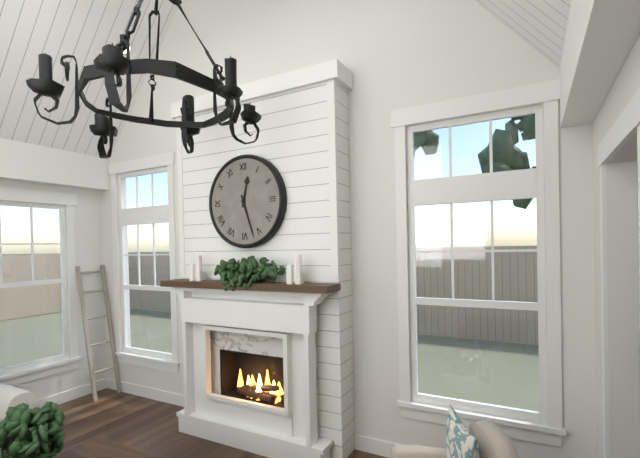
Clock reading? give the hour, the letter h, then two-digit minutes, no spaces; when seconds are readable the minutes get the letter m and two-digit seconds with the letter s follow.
12h27
